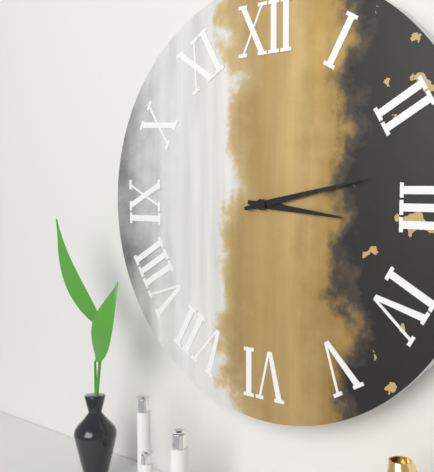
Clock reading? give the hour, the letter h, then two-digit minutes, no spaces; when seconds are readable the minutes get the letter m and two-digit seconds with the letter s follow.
3h13
